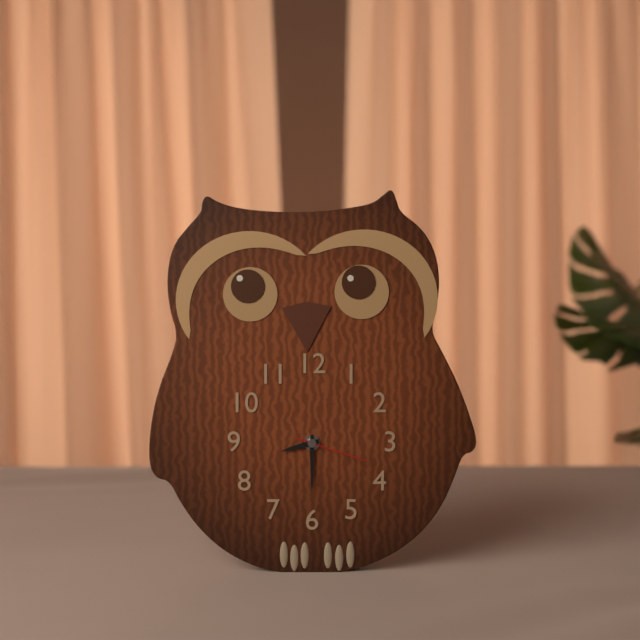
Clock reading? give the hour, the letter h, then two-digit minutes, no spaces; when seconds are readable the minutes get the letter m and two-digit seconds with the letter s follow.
8h30m18s
